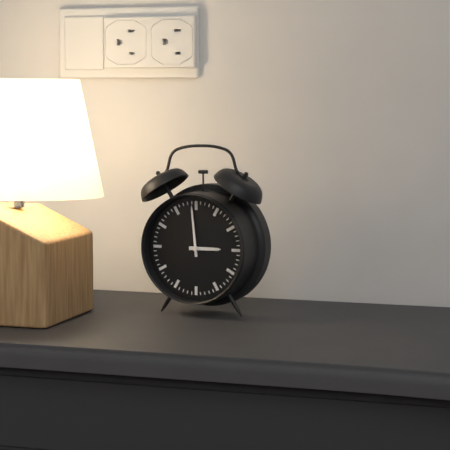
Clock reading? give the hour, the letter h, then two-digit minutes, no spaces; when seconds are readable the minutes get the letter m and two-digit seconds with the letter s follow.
2h59
